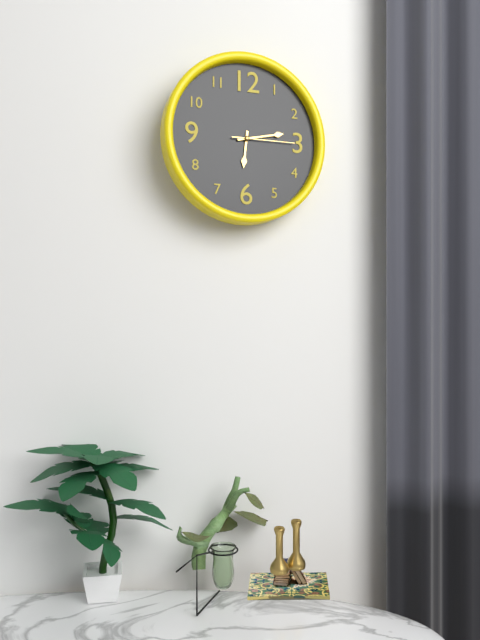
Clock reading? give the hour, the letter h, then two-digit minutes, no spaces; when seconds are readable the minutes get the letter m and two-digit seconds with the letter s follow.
6h13m15s
